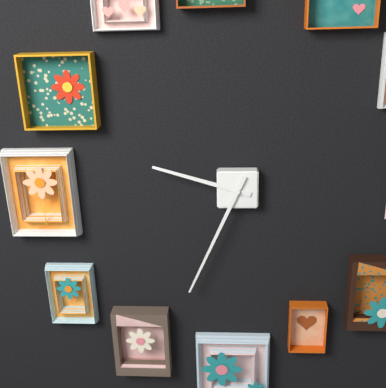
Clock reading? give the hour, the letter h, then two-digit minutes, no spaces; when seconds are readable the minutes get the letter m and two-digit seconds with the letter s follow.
9h34
